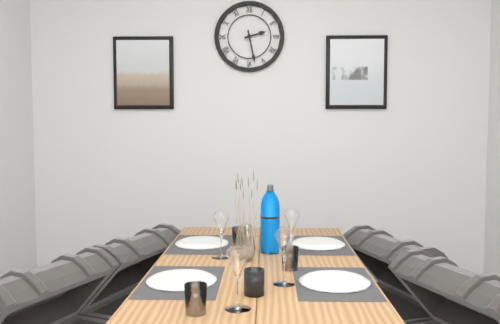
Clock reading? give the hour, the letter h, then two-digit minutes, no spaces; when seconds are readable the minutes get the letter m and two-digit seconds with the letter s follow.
2h28
